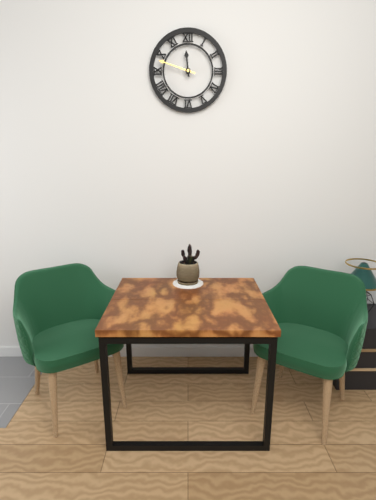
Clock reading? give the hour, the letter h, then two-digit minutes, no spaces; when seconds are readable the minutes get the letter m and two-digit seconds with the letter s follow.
11h48
